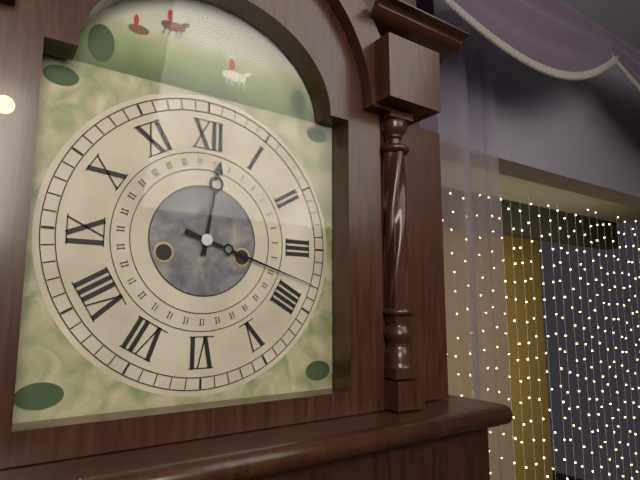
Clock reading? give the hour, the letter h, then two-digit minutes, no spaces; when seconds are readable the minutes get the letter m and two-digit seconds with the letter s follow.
12h18
